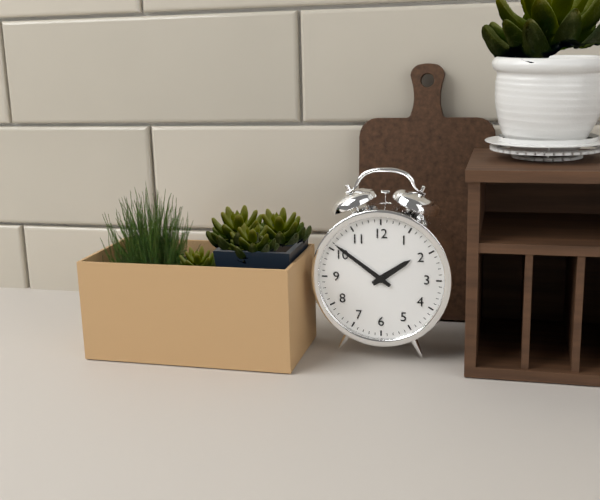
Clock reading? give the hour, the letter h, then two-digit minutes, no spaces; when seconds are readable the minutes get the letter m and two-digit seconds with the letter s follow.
1h51
